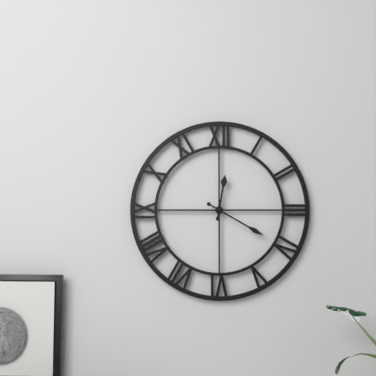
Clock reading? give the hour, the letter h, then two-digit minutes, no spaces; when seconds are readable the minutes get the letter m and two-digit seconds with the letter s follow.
12h20
